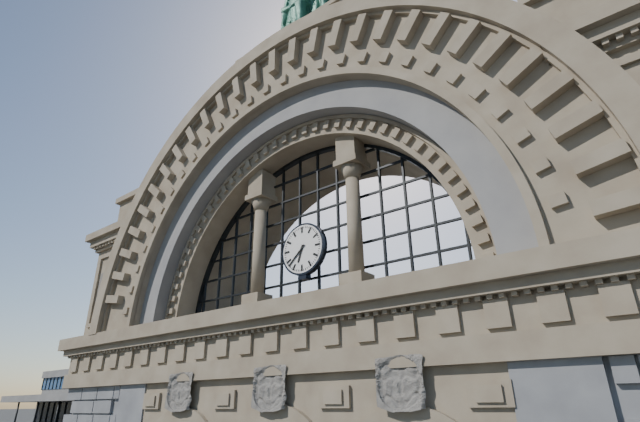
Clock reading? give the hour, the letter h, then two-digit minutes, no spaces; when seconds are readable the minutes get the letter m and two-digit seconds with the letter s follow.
6h38
